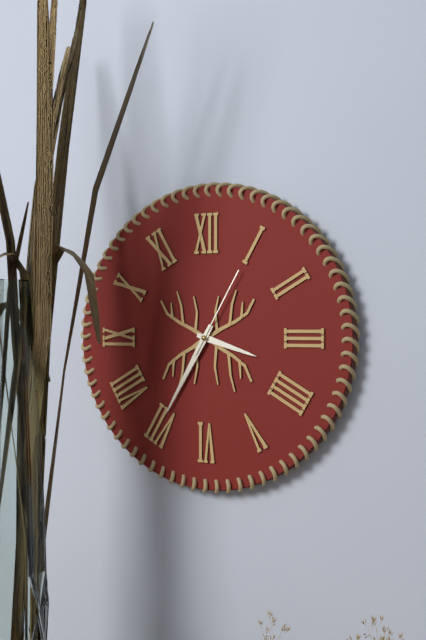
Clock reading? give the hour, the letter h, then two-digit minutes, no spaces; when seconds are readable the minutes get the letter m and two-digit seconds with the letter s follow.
3h35m05s
